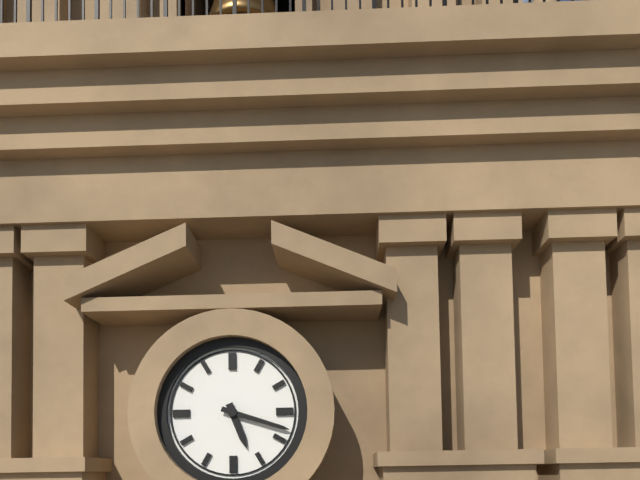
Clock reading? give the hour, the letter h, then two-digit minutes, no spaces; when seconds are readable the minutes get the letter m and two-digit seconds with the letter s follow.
5h18
